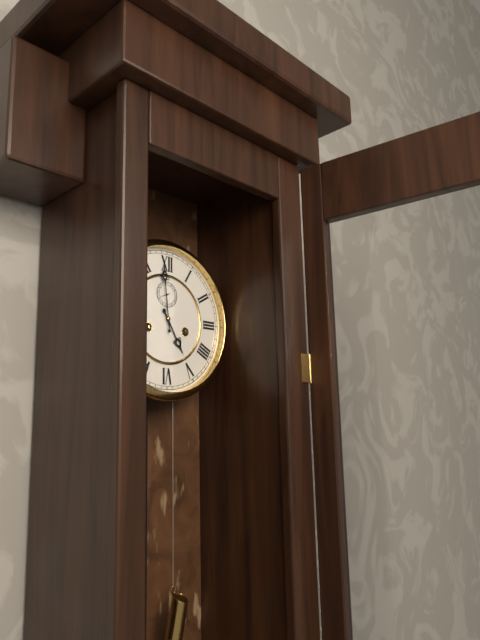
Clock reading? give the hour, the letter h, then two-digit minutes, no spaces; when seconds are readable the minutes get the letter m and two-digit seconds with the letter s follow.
4h59
